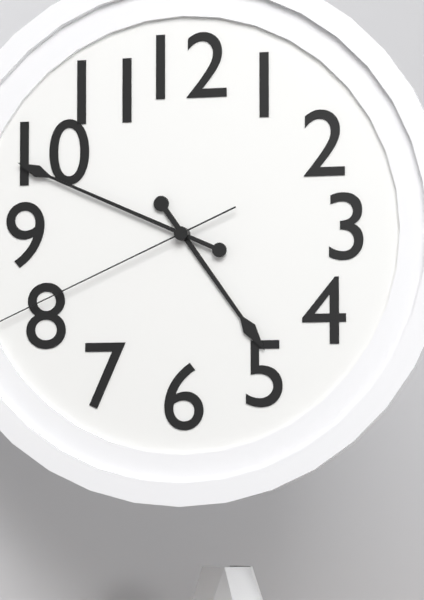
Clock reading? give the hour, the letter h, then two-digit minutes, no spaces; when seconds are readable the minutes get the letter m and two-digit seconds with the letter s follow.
4h49
